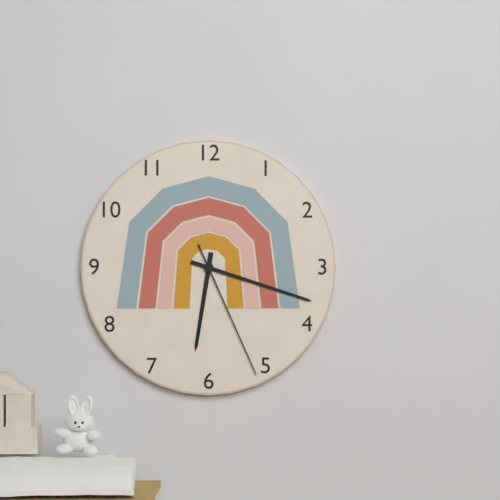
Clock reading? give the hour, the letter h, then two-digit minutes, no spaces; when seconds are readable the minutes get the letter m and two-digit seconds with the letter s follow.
6h18m26s
